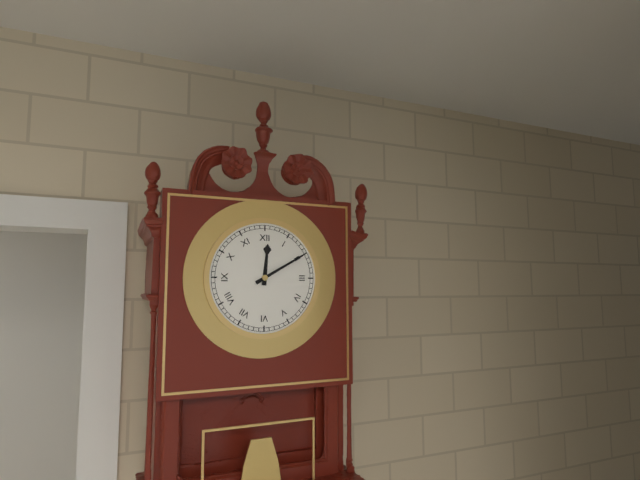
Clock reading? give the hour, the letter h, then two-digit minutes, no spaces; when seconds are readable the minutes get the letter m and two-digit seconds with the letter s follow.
12h10
